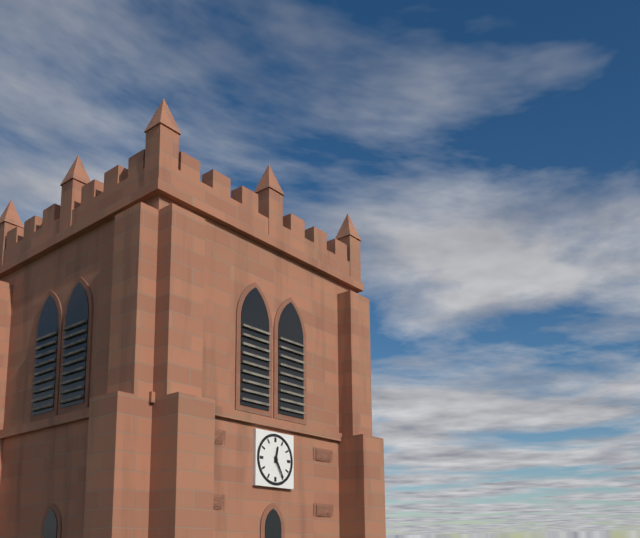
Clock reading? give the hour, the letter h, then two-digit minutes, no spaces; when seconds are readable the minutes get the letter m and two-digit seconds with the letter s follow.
12h25
